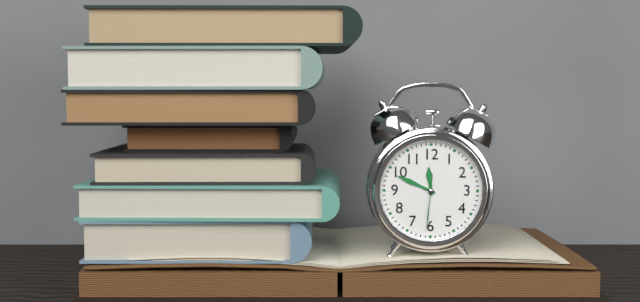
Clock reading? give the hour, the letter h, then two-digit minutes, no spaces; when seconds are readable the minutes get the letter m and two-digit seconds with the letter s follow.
11h49m31s
